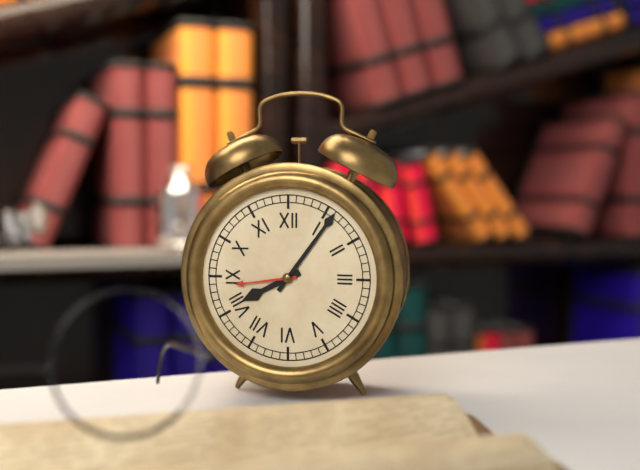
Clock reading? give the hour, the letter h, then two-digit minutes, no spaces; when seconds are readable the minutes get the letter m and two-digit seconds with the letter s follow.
8h06
